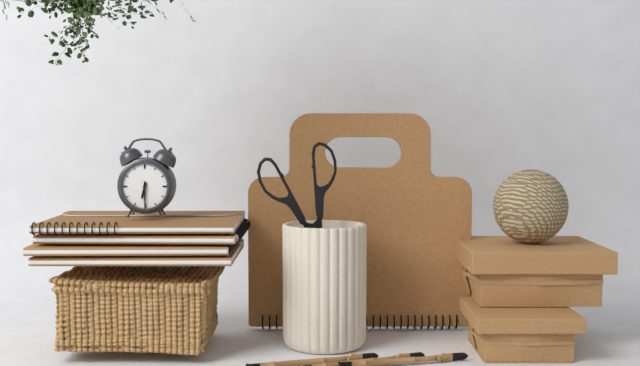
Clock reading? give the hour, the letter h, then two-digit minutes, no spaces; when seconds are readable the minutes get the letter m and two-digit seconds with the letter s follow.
6h30
